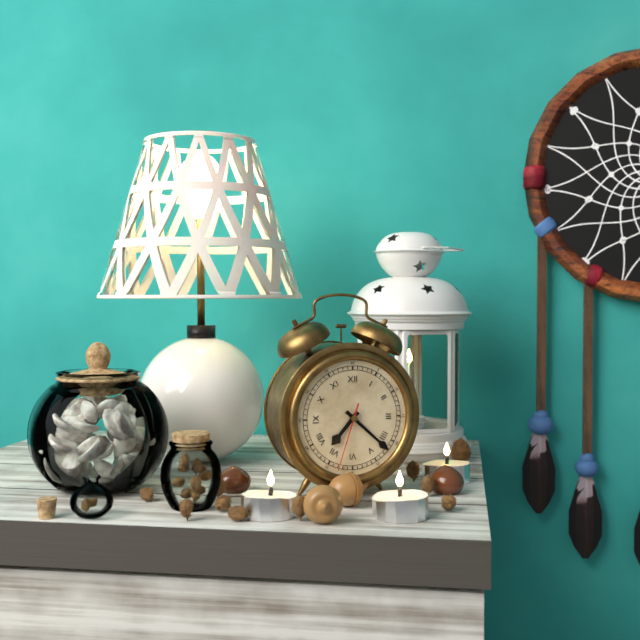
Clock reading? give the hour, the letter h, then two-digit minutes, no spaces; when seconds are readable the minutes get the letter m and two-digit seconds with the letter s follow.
7h22m33s
